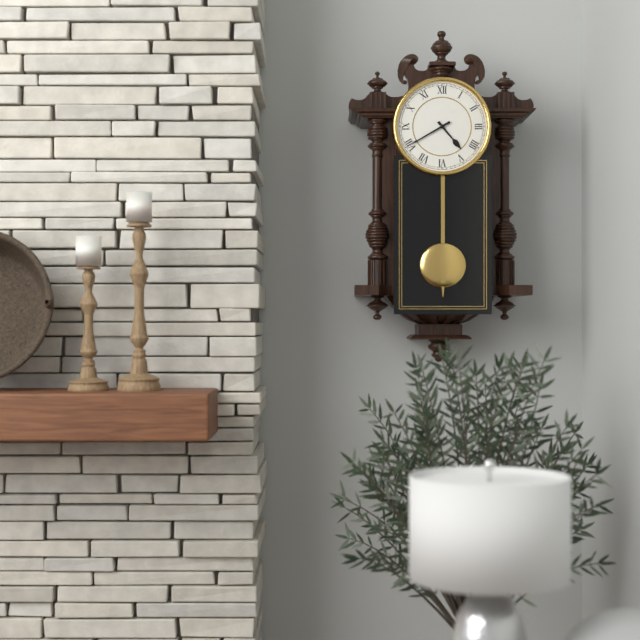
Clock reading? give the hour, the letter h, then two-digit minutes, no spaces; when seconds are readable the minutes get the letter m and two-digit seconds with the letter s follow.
4h40
